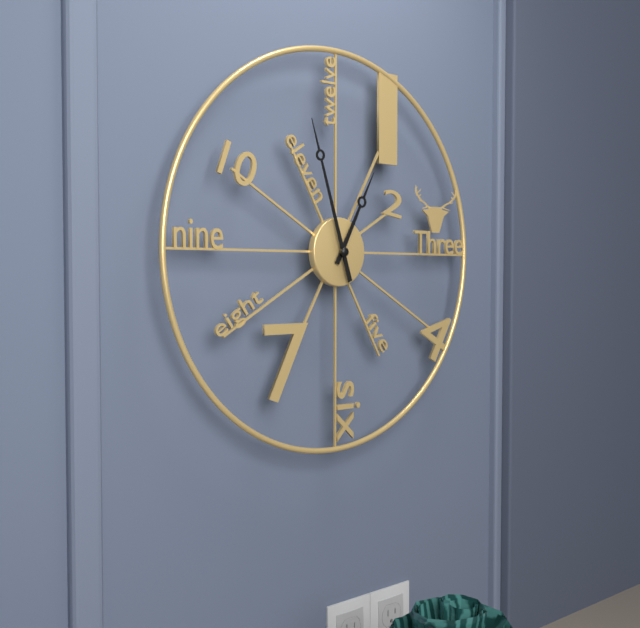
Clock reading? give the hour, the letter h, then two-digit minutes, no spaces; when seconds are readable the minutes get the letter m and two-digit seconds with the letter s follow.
12h57
